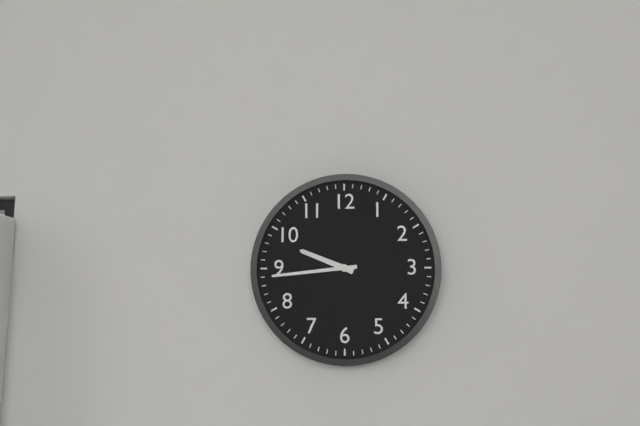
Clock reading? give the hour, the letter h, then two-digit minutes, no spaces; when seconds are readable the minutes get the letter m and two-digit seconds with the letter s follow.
9h44
